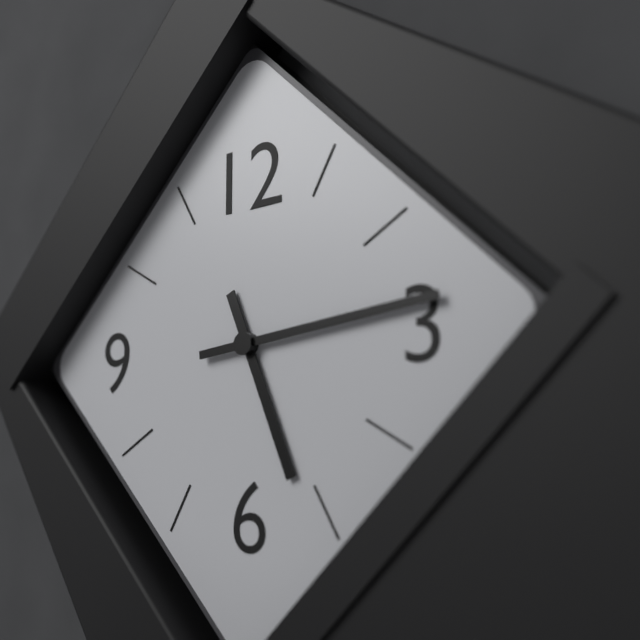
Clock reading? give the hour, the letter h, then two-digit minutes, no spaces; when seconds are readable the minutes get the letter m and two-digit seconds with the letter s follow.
5h14
